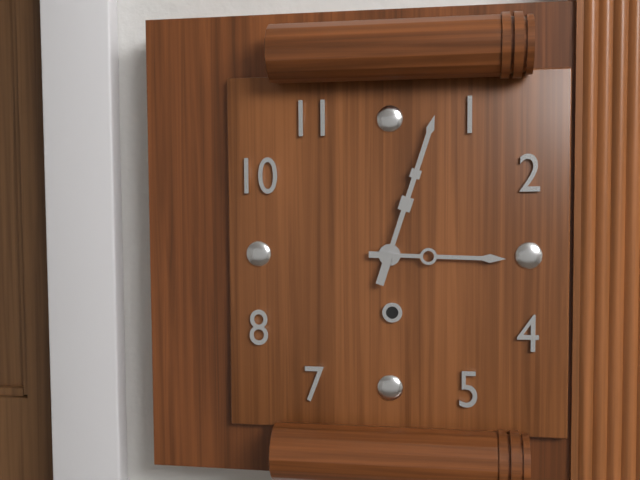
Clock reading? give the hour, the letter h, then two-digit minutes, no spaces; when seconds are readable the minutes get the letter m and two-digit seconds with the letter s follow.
3h03
